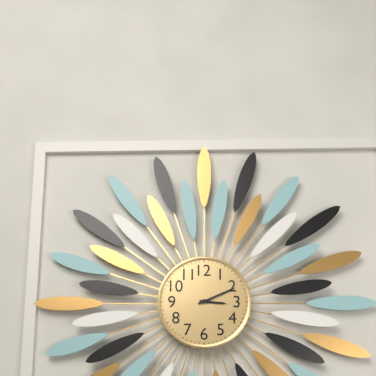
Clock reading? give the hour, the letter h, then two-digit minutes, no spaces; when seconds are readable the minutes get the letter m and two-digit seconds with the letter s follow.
3h11
